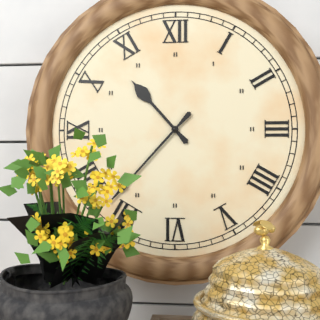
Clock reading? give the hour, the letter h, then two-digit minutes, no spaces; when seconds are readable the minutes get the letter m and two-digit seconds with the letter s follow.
10h37
